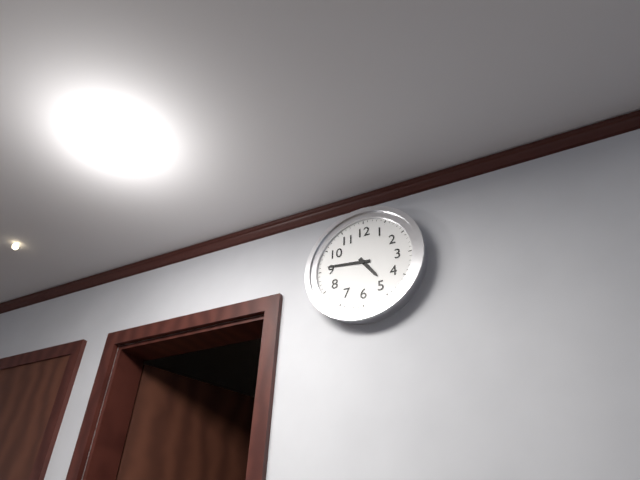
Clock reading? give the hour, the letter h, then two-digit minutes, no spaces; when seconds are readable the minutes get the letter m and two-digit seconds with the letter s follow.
4h46
